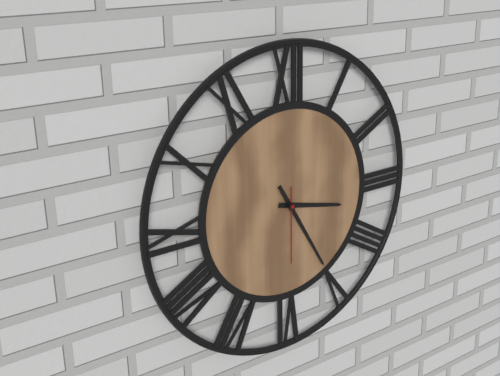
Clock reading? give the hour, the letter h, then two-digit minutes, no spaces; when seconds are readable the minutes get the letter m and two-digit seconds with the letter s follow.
3h25m30s
